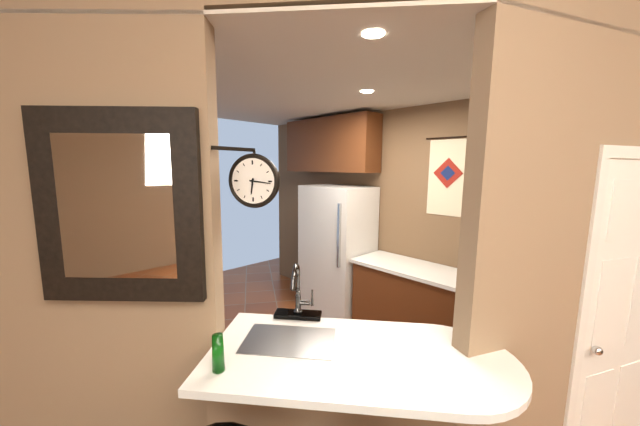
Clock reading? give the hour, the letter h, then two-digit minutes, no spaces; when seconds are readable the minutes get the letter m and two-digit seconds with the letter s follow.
6h16
